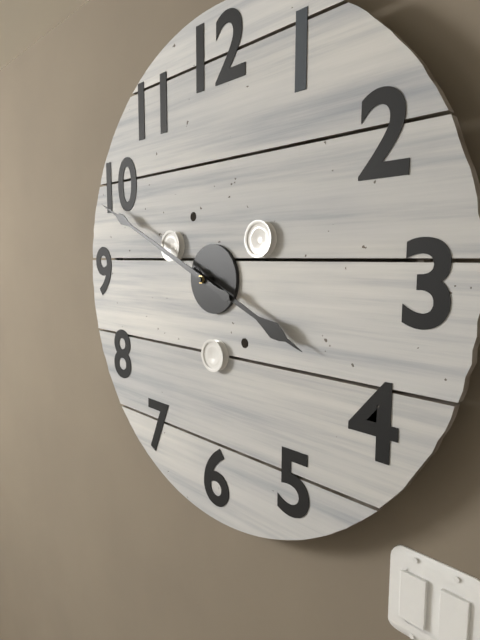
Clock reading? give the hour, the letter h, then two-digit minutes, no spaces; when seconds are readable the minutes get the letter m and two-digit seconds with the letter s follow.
3h49
